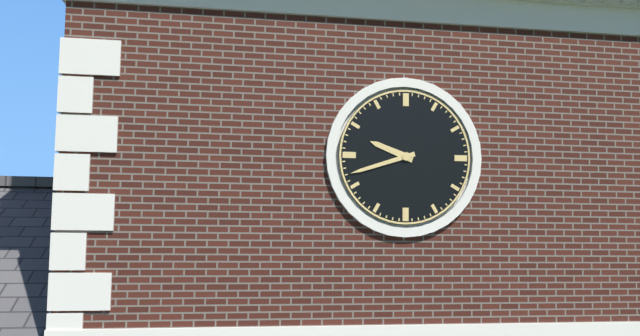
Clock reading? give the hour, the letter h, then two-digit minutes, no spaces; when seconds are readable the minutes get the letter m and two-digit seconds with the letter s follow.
9h42
